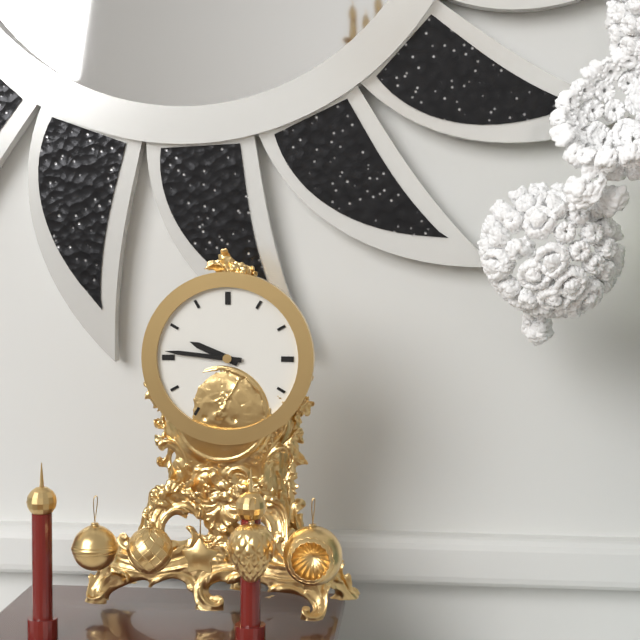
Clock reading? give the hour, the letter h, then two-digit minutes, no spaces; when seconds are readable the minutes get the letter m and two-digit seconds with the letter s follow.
9h46
